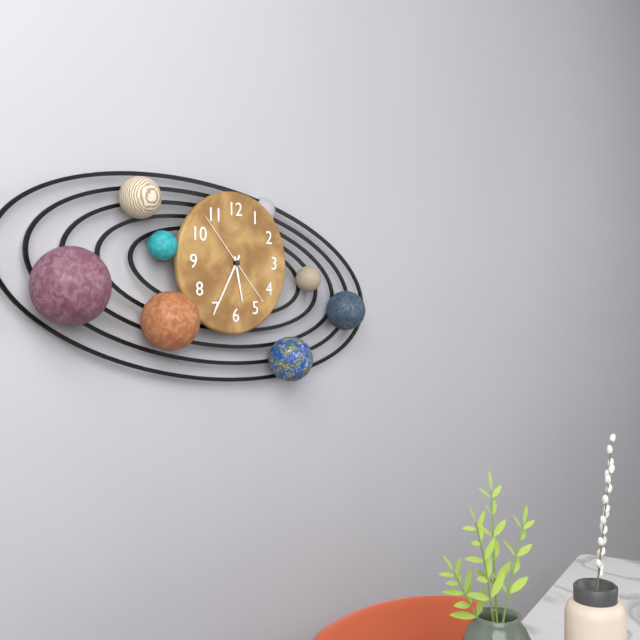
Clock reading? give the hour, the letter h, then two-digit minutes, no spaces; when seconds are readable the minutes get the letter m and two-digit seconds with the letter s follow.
5h35m53s
